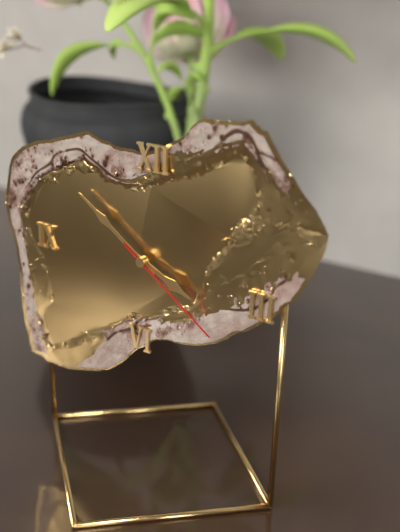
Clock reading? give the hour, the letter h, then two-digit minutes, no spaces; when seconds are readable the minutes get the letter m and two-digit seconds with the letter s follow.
3h51m21s
